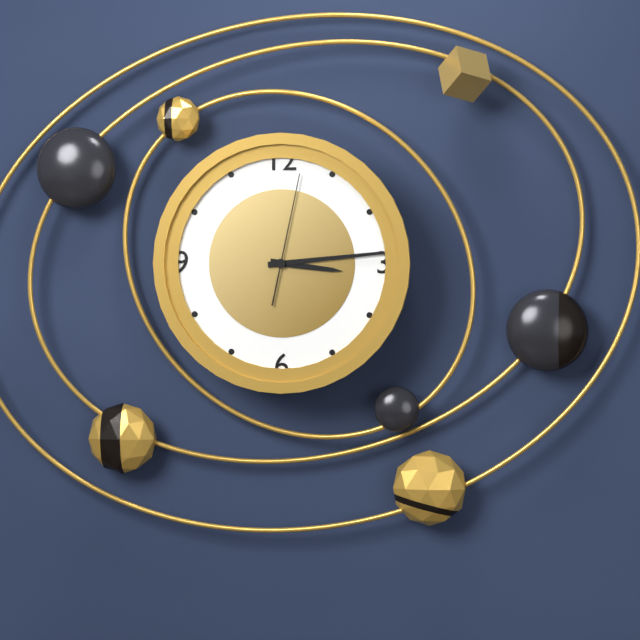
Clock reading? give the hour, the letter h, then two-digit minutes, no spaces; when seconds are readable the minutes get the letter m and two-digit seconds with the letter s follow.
3h14m02s
